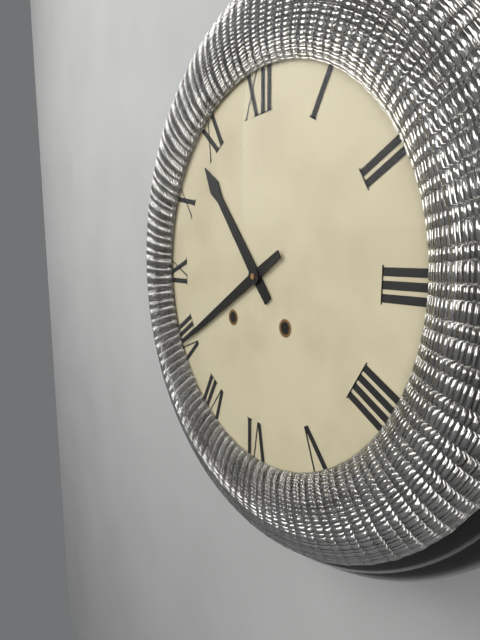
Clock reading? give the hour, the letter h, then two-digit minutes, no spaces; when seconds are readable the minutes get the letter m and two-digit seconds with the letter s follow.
10h40
